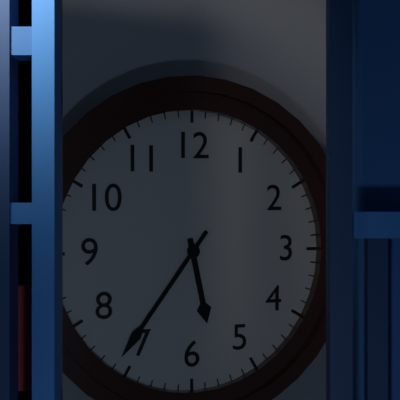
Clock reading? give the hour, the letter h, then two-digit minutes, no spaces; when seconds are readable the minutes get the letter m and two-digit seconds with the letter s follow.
5h36
